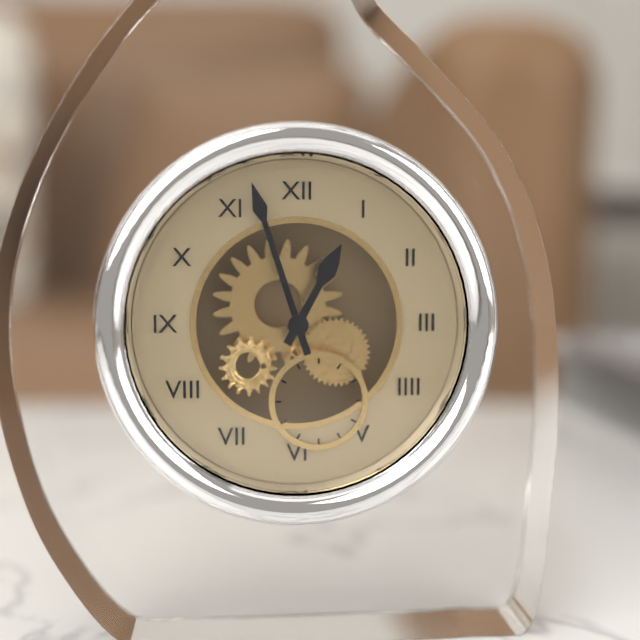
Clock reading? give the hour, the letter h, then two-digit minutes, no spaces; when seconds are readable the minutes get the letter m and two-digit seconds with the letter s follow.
12h57
